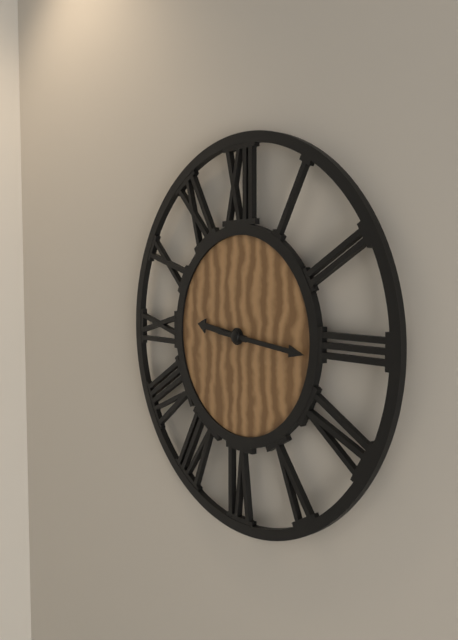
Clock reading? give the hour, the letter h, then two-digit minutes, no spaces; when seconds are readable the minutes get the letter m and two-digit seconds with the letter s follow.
9h16
